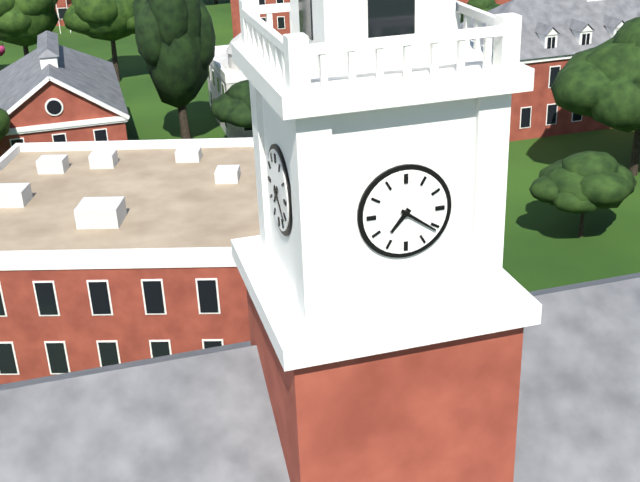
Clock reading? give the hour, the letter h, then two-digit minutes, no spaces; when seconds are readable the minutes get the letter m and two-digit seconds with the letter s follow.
7h21
